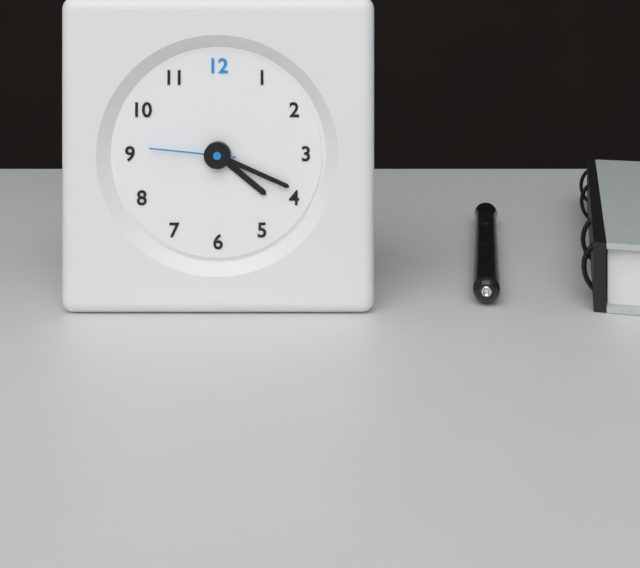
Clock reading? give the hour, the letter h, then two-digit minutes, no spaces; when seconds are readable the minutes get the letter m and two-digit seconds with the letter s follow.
4h19m46s
